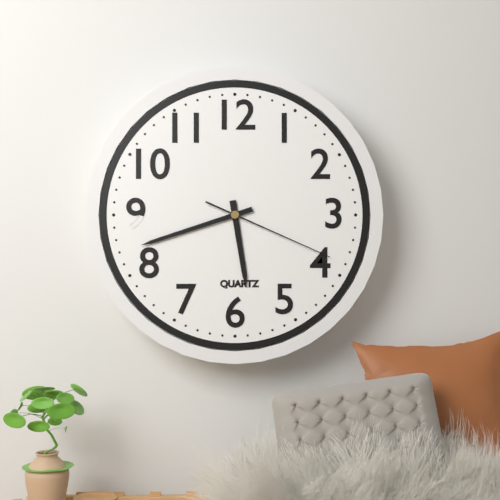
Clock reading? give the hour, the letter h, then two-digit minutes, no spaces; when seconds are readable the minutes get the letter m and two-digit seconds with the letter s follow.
5h42m19s
